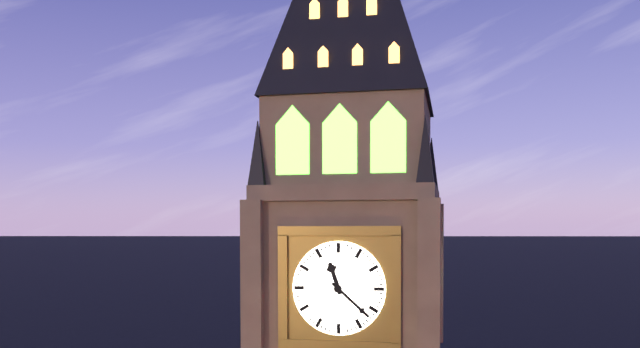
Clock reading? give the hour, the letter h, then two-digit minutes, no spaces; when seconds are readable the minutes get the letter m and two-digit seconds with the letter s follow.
11h22
